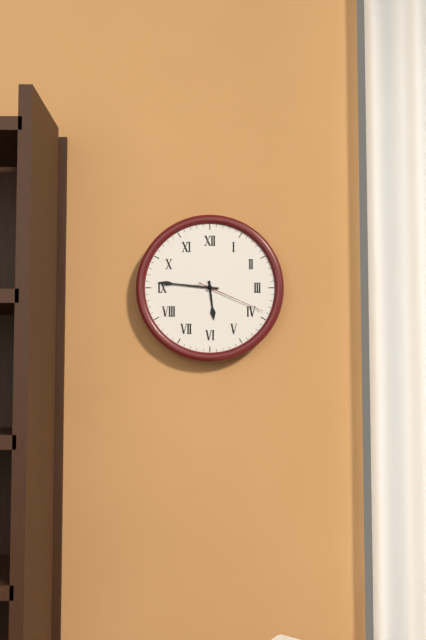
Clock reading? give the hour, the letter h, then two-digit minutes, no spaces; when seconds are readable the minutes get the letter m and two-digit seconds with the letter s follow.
5h46m19s
